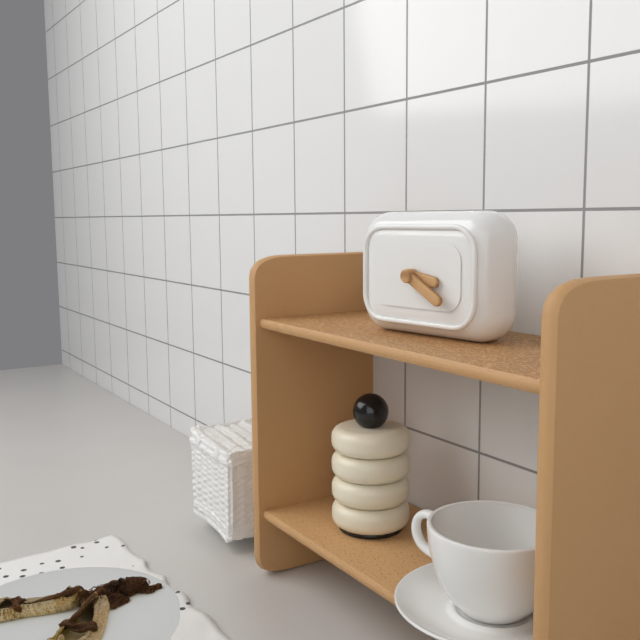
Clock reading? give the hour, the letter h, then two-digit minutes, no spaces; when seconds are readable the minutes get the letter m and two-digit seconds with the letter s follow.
3h20
